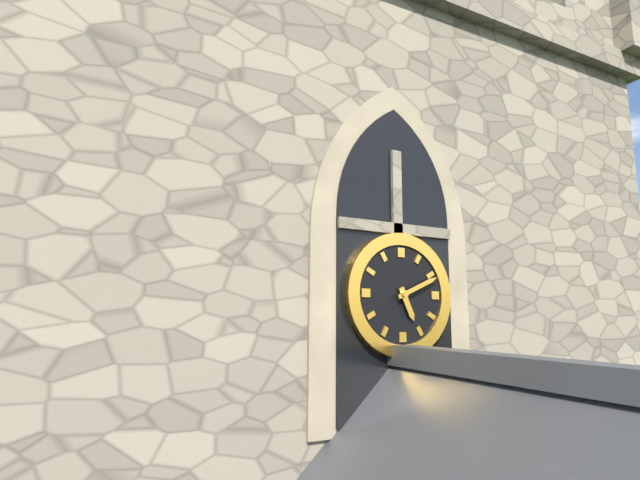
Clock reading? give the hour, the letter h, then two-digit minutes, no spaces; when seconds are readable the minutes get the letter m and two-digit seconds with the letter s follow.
5h11
